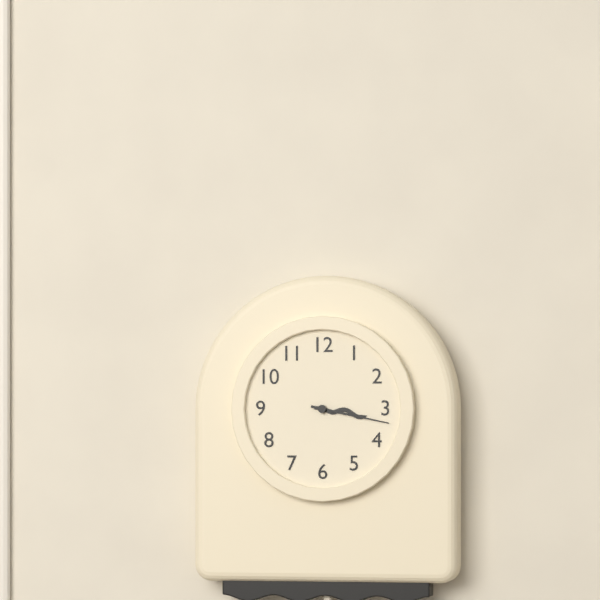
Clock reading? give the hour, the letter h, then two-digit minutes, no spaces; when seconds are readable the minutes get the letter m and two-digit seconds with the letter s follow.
3h17
